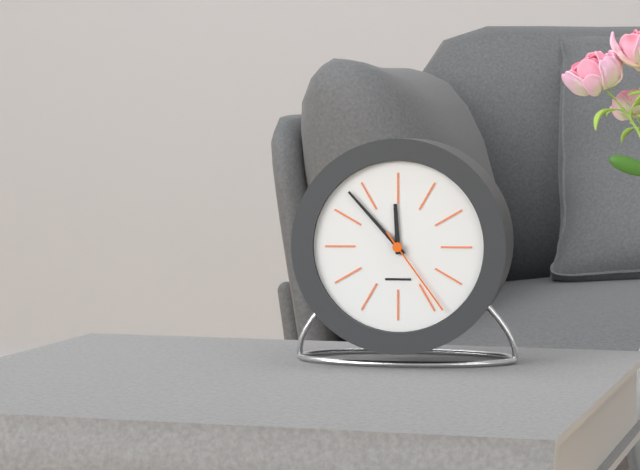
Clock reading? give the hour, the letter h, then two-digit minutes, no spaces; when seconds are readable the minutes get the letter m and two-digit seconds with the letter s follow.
11h53m24s
